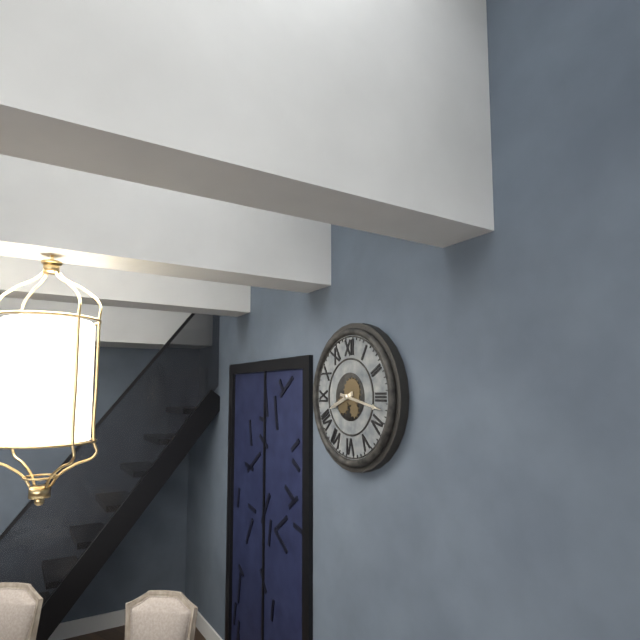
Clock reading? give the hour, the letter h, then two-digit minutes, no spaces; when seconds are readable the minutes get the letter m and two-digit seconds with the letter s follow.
8h17
